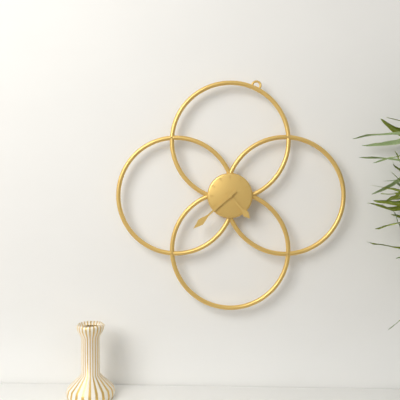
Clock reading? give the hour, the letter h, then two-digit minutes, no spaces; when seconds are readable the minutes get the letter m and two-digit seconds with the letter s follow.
4h38
